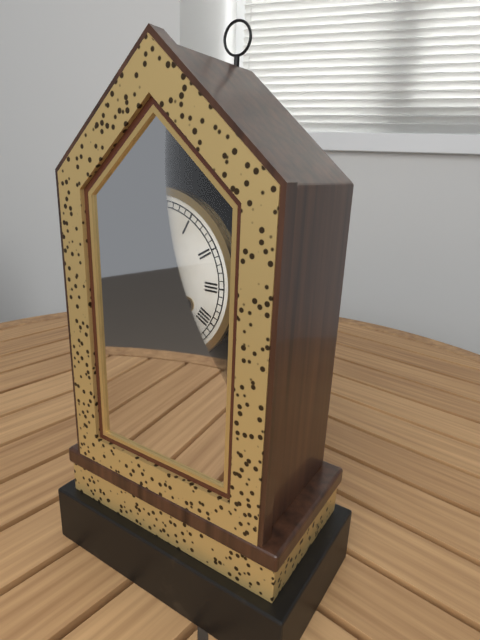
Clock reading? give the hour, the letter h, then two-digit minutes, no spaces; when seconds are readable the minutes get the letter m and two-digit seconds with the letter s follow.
6h37
